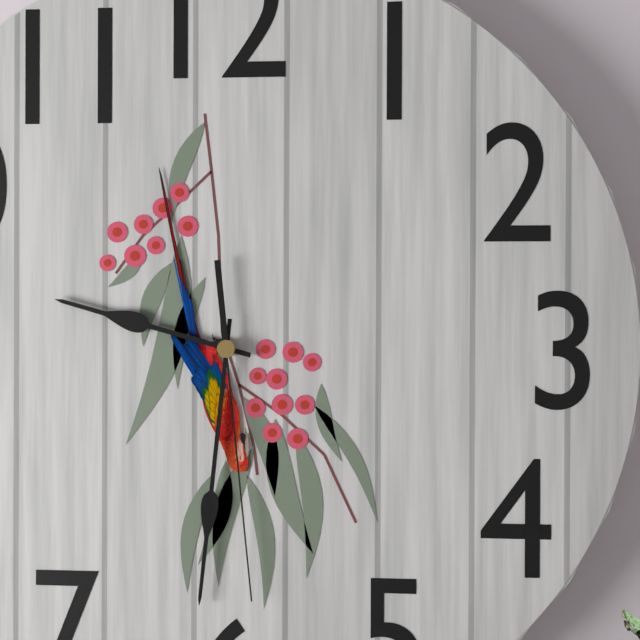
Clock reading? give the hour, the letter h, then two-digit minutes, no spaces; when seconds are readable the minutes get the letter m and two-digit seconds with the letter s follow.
9h31m29s
